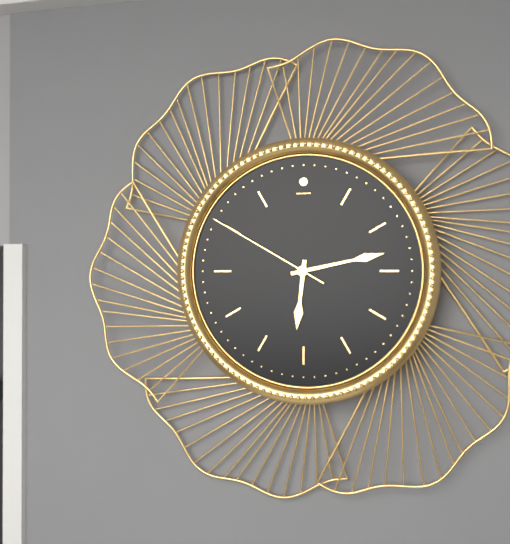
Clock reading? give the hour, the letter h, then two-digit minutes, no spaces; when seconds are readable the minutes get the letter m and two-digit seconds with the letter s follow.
6h13m50s
